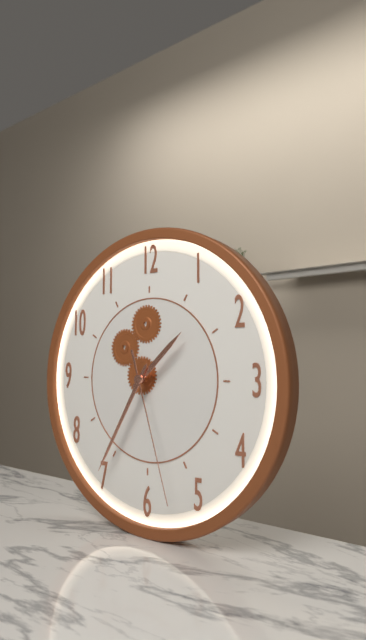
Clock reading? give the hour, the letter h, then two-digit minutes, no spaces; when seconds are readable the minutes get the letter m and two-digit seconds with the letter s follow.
1h35m27s
